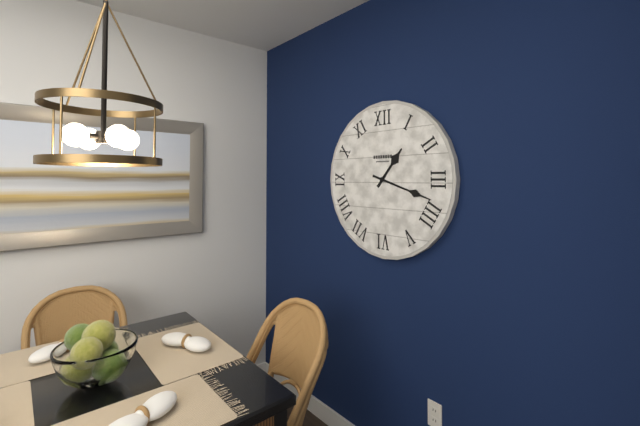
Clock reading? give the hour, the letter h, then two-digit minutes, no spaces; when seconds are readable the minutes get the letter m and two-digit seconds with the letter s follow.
1h18
